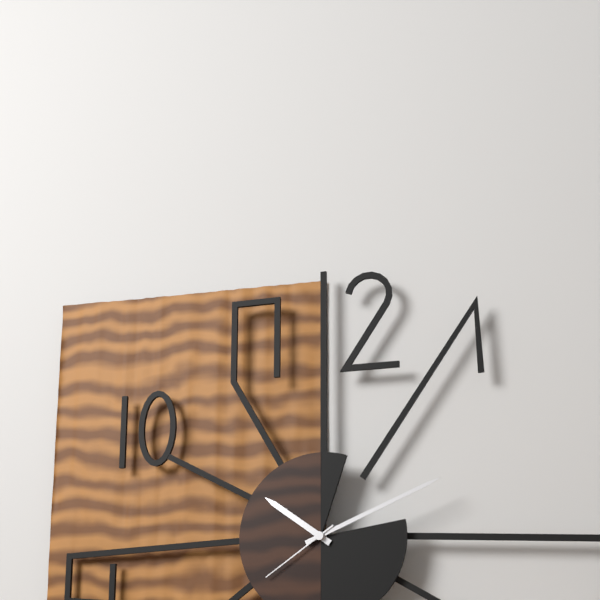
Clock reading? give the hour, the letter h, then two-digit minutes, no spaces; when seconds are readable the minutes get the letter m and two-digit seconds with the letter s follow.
10h11m39s
